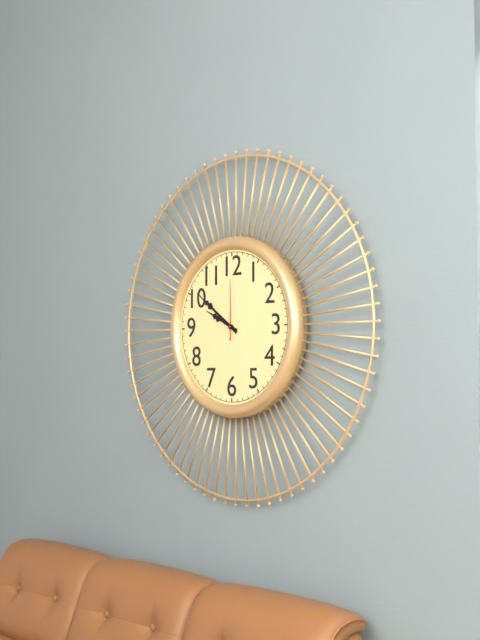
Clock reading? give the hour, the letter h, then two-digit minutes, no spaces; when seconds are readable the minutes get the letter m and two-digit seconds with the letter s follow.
9h51m00s
